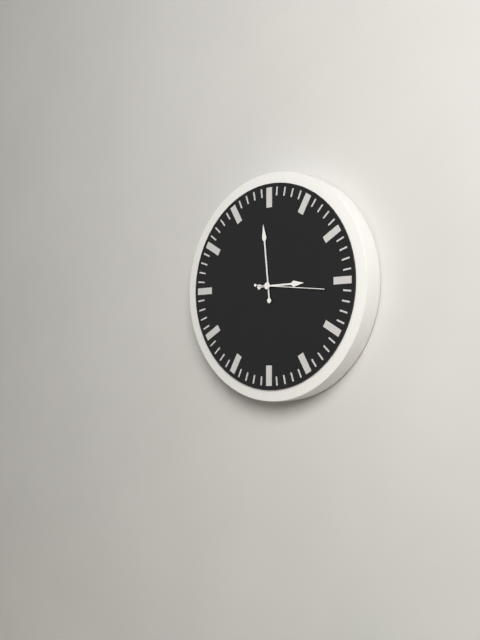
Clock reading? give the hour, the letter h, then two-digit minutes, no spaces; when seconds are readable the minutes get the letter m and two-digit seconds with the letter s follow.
2h59m16s
